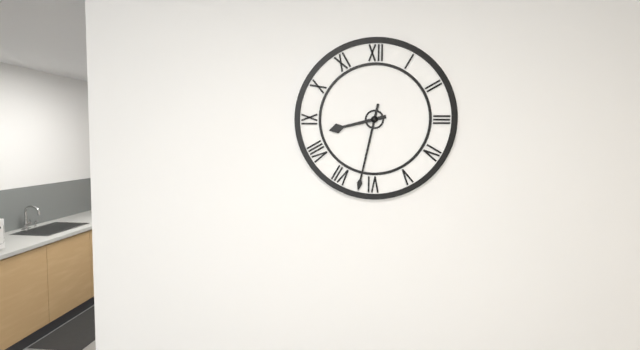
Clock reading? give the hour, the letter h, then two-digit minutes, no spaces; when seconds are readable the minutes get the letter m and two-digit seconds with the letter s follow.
8h32
